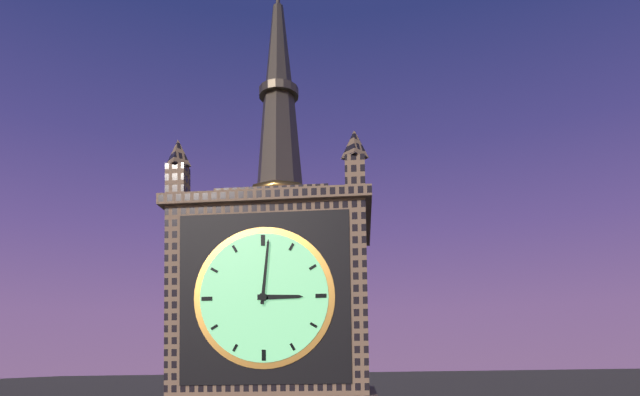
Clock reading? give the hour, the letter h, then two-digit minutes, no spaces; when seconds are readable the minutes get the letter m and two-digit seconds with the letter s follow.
3h01
